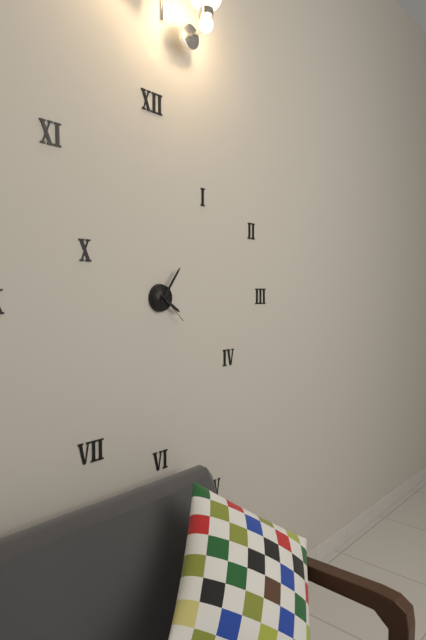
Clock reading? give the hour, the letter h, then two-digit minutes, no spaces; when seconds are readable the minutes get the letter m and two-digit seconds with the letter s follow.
4h06
